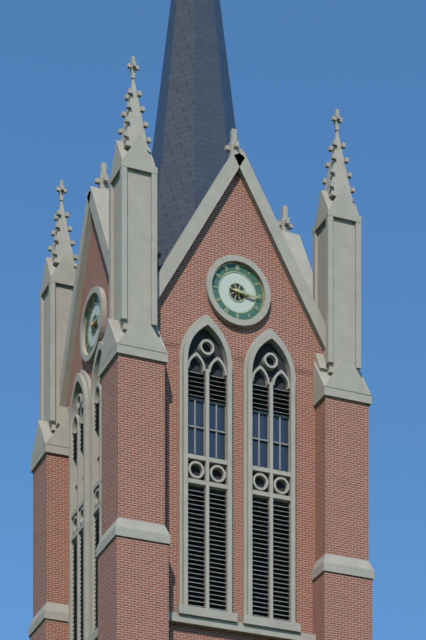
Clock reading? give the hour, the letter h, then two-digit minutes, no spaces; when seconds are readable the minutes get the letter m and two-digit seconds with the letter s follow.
3h16
